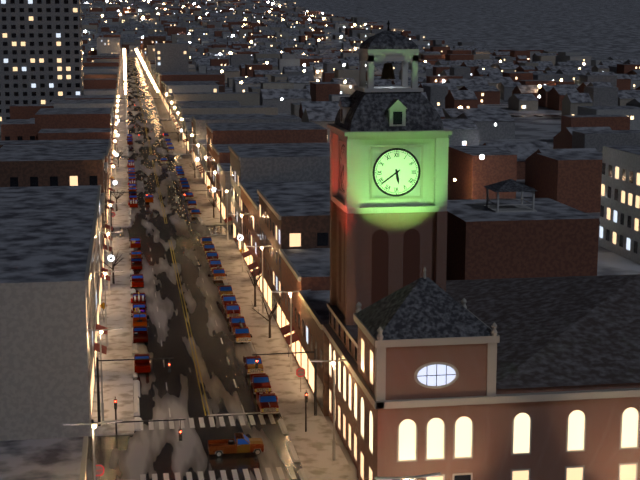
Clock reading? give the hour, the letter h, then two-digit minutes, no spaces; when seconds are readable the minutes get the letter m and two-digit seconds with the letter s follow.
5h39
